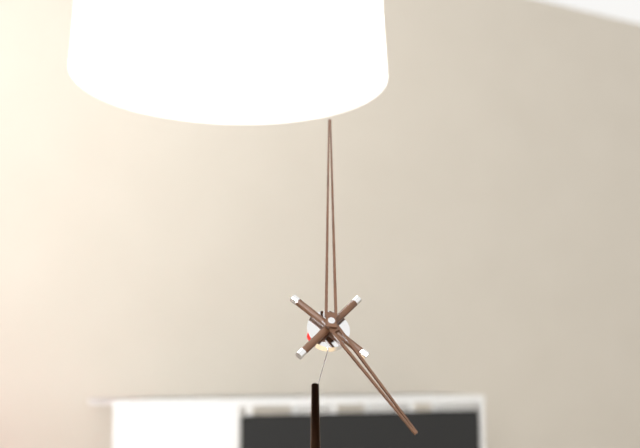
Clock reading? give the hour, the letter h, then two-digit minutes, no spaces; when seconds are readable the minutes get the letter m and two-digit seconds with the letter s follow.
5h01
